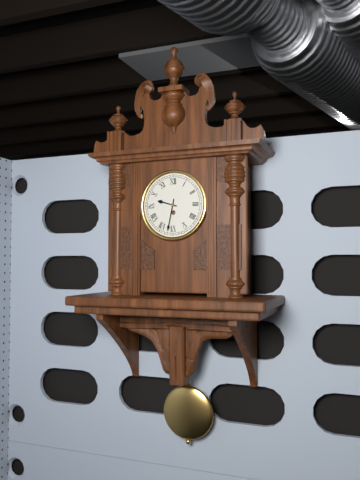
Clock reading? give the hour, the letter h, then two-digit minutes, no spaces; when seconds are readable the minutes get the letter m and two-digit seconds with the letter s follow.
9h32
